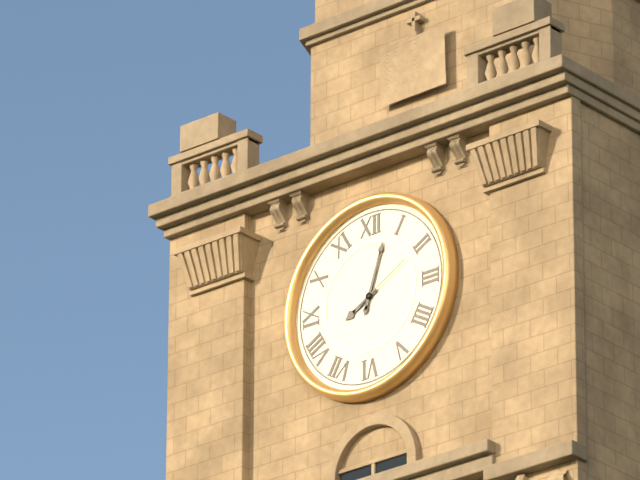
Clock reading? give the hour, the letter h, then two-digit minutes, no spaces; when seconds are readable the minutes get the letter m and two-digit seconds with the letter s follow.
8h03m10s
